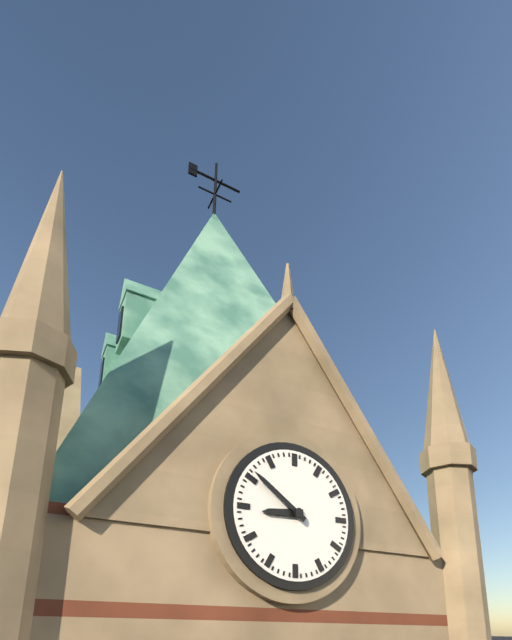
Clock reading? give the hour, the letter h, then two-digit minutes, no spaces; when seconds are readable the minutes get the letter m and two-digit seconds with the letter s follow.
8h51
